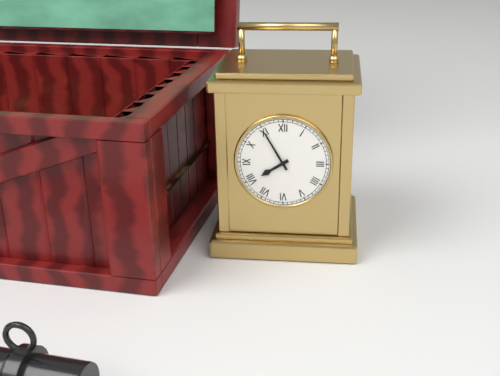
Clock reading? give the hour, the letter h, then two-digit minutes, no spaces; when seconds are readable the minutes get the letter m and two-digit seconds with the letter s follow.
7h55
